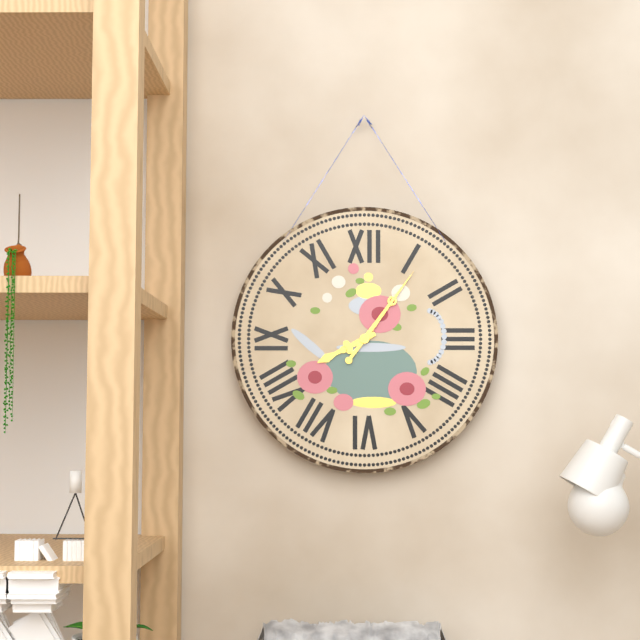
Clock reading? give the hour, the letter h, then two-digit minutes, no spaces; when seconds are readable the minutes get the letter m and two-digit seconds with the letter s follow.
8h06
